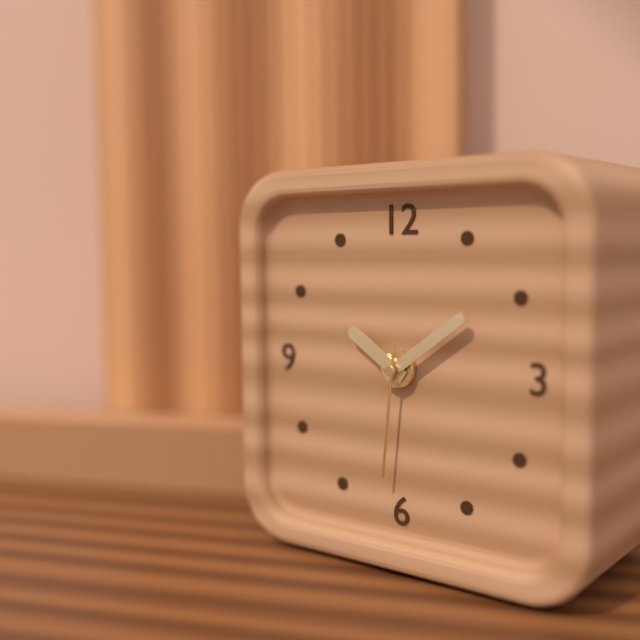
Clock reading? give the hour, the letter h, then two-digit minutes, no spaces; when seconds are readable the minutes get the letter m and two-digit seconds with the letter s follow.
10h09m31s
